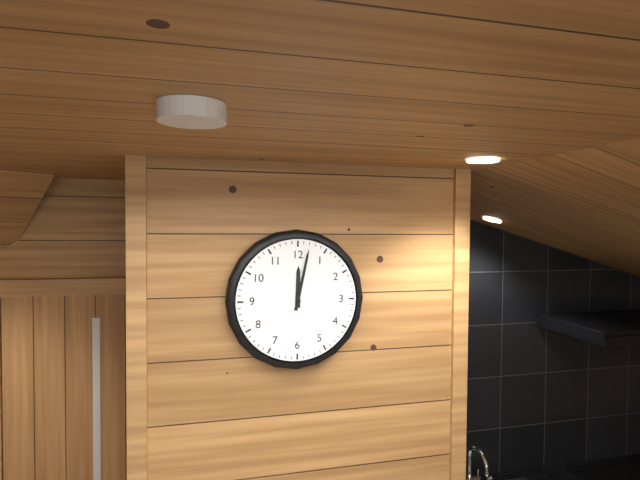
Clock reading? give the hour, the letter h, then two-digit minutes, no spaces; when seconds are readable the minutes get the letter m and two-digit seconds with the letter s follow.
12h02
